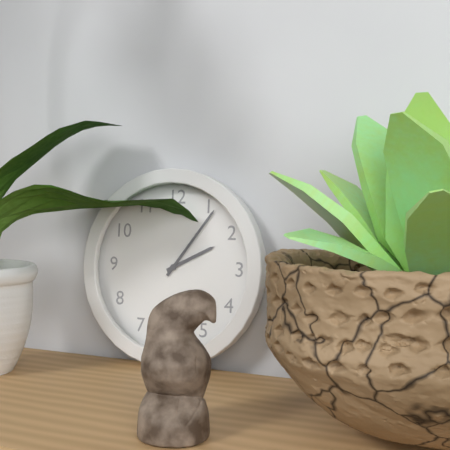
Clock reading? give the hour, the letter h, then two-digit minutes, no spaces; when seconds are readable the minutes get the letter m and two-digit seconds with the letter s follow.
2h06
